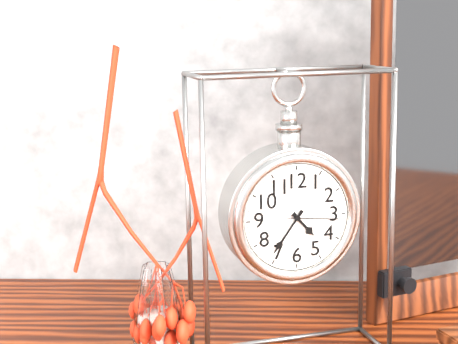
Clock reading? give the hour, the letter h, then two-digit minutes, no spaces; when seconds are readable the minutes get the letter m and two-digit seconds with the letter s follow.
4h36m16s
